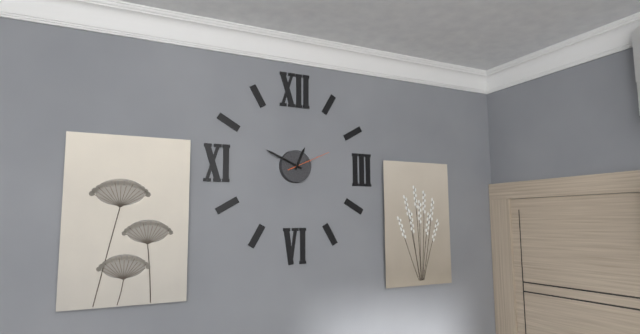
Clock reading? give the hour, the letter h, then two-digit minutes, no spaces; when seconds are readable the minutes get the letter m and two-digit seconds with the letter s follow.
12h49
